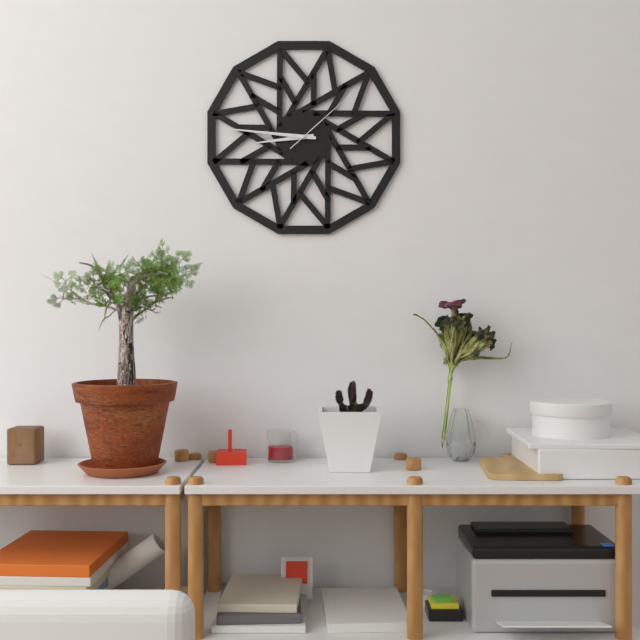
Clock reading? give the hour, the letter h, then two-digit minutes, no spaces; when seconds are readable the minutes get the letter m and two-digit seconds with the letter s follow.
8h46m08s
